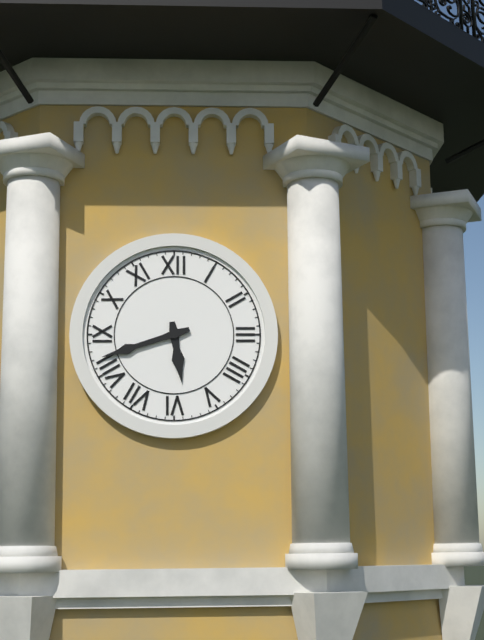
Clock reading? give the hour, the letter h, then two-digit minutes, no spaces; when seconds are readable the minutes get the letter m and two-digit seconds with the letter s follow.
5h42
